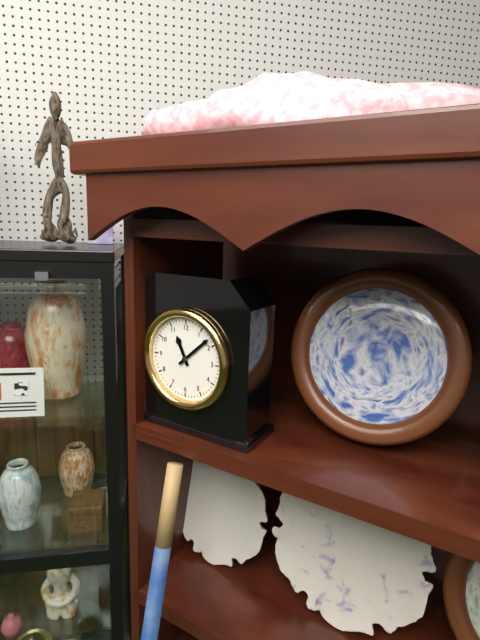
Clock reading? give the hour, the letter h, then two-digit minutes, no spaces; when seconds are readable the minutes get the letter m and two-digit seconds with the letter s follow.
11h08
